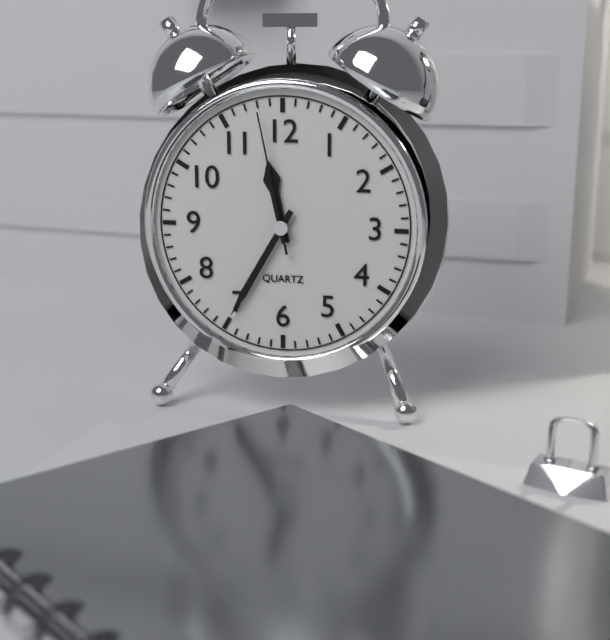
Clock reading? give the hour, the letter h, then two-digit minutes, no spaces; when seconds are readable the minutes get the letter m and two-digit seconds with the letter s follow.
11h35m58s
